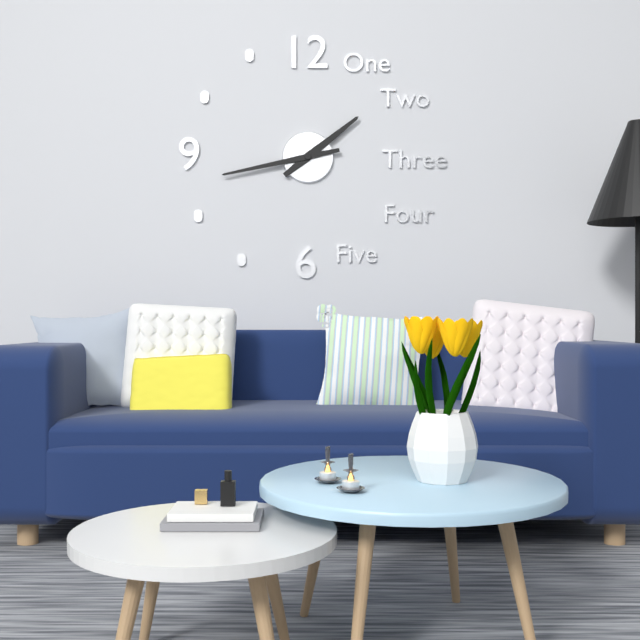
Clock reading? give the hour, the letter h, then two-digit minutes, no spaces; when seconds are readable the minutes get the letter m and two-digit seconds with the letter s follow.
1h43
